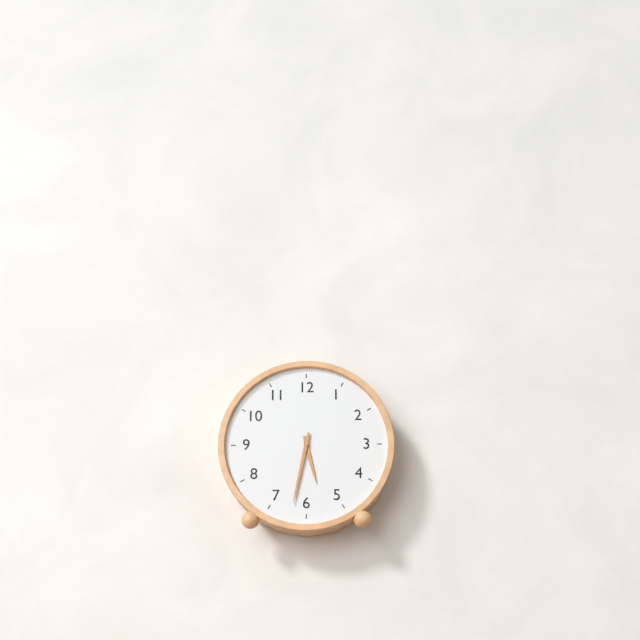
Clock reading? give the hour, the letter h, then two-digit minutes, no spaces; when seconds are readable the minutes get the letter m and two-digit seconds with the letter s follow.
5h32
